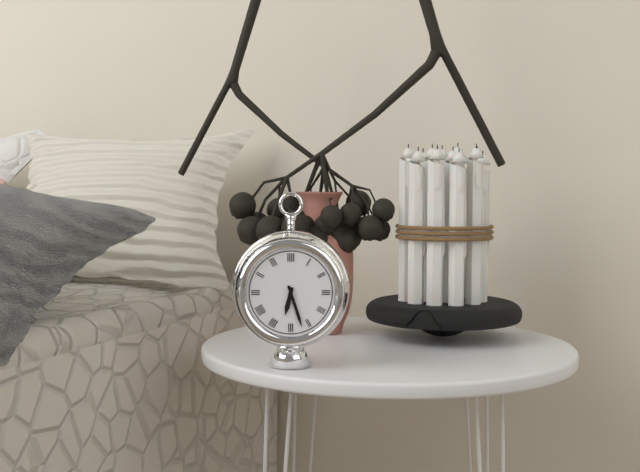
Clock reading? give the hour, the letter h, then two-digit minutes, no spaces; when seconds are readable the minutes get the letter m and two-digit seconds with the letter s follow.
6h27
